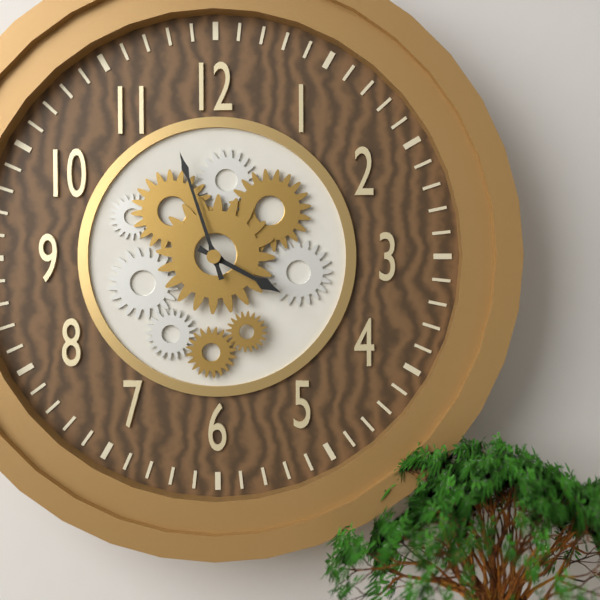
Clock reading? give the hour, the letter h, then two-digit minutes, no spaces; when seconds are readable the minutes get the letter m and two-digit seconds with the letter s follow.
3h57
